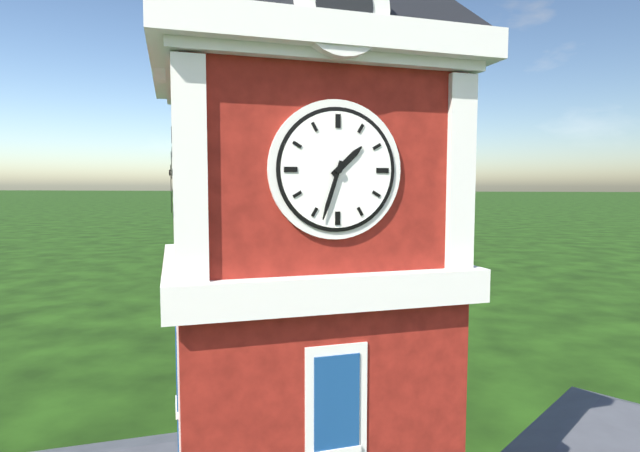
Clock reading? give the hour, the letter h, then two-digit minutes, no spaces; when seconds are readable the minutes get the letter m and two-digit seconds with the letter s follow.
1h33
